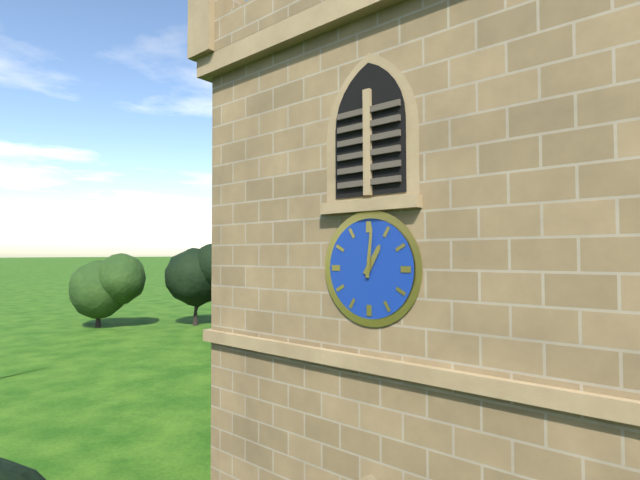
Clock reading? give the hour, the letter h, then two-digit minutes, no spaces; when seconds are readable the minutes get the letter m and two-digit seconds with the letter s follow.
1h01
